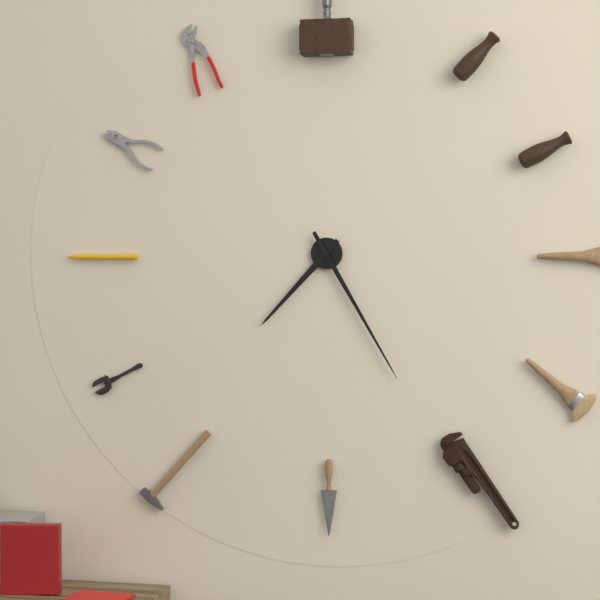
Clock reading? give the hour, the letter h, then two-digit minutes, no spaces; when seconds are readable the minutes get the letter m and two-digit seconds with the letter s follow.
7h25
